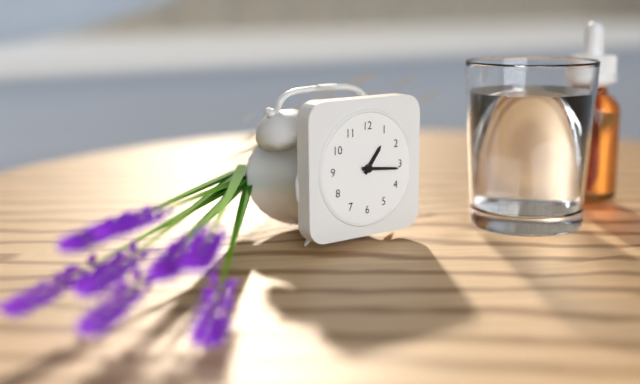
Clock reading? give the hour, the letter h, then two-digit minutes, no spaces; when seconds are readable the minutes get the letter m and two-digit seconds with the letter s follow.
1h16
